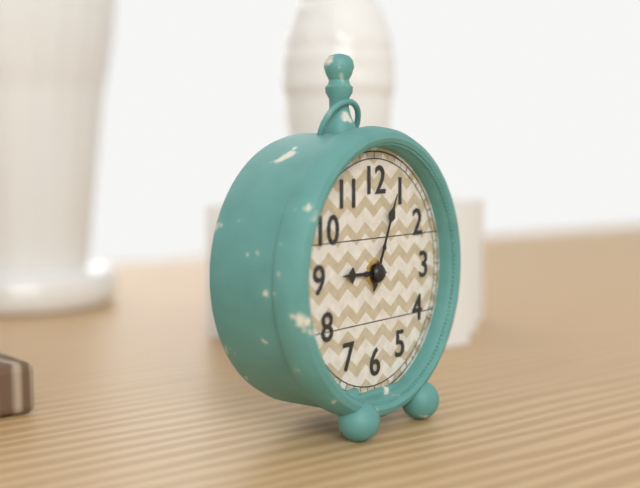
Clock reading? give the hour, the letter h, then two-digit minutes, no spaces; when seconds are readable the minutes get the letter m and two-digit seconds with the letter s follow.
9h04
